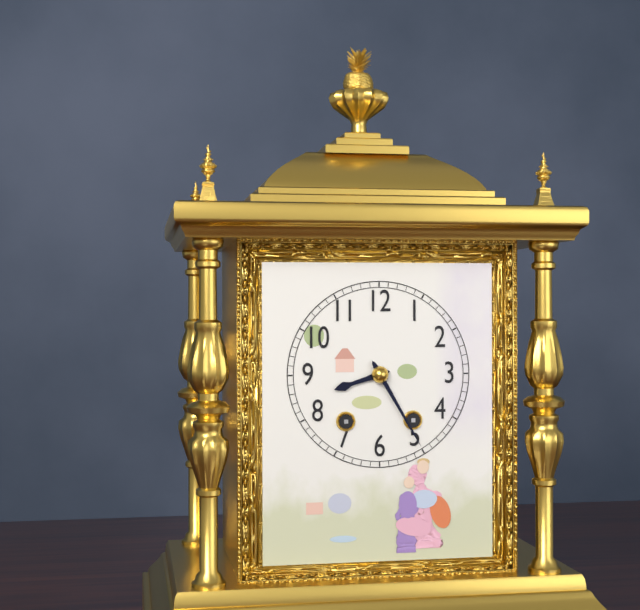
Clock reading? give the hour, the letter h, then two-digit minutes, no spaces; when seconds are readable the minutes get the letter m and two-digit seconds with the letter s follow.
8h25
